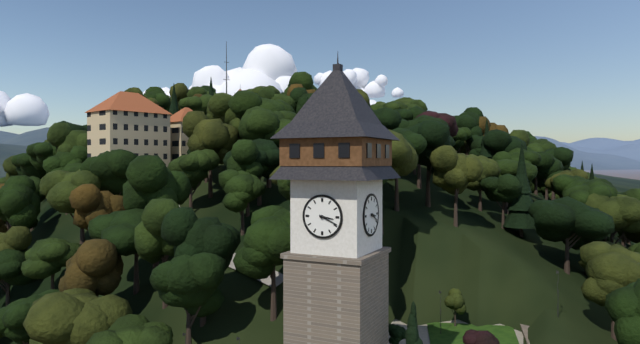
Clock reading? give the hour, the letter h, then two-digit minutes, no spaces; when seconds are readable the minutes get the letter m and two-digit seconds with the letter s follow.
3h19
